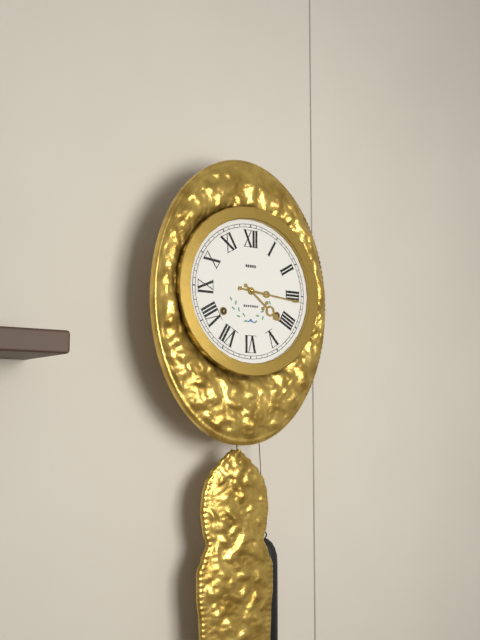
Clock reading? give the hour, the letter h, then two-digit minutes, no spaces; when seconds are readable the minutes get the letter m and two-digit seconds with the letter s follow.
4h16
